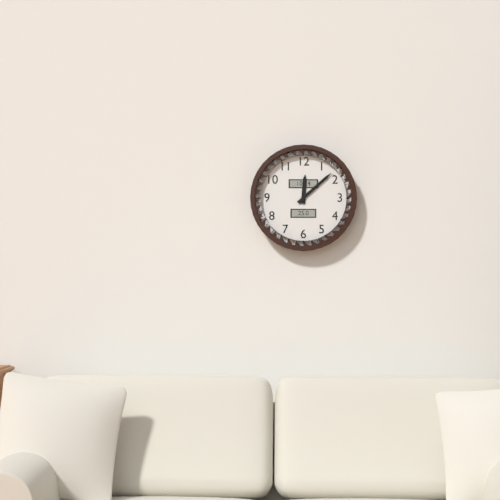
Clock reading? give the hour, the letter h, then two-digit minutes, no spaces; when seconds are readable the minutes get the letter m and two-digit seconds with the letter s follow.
12h08
